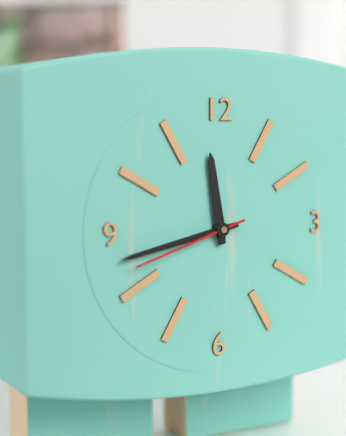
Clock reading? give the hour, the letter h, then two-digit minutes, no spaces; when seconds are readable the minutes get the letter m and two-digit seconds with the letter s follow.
11h43m42s
